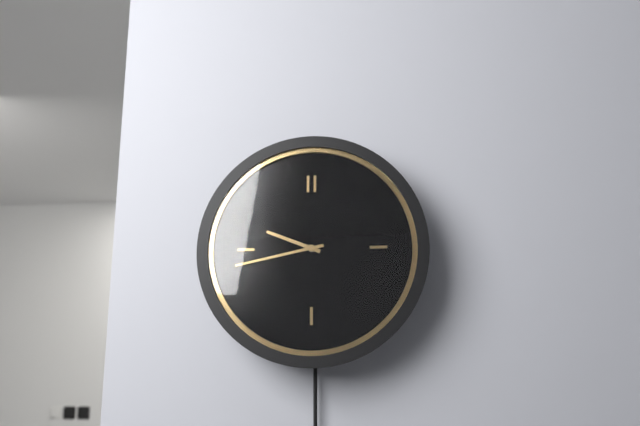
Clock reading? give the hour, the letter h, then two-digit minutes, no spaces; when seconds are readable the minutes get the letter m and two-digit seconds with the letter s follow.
9h43
